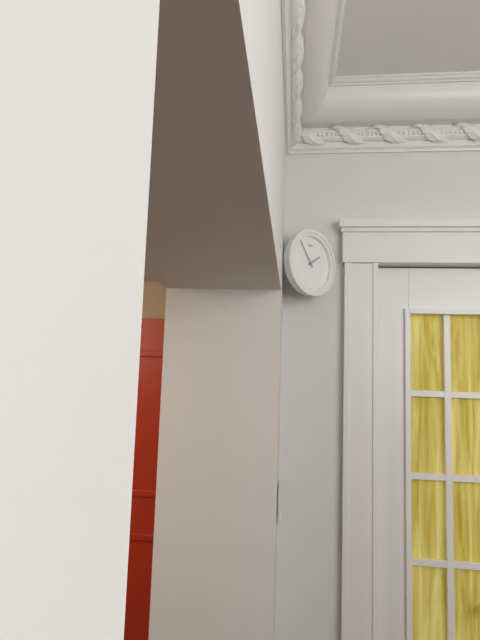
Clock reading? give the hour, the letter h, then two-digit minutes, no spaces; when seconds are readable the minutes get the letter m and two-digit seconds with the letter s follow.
1h54
